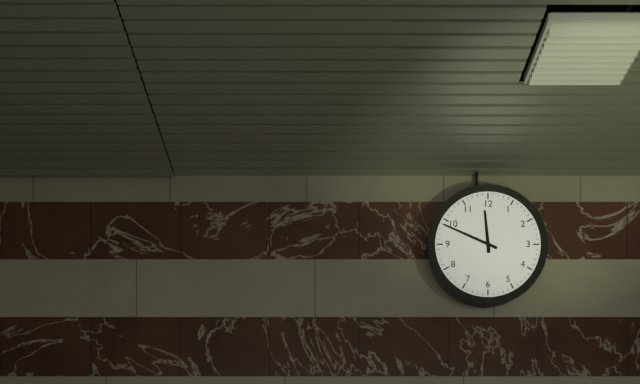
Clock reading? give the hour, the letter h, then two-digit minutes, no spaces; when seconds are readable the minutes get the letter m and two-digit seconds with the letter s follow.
11h49
